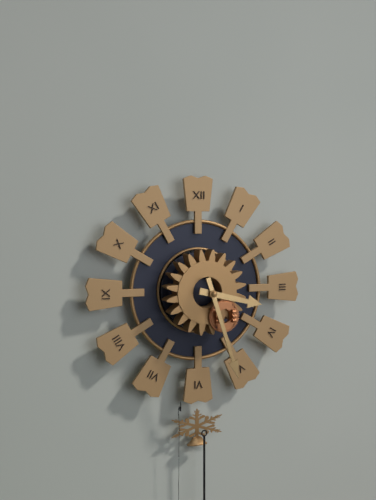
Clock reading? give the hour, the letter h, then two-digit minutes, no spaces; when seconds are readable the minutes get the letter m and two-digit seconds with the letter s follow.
3h27
